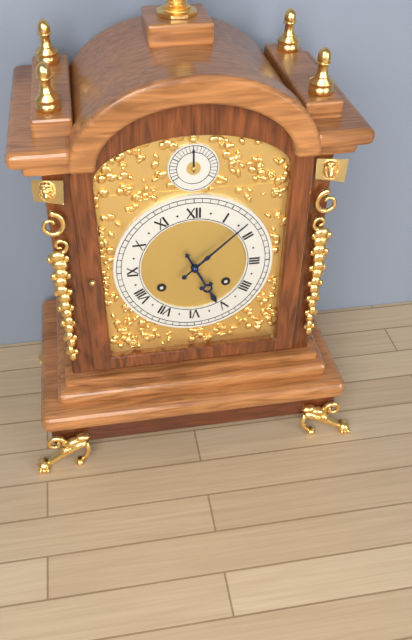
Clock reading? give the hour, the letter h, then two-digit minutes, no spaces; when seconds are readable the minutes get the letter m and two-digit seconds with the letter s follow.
5h08
